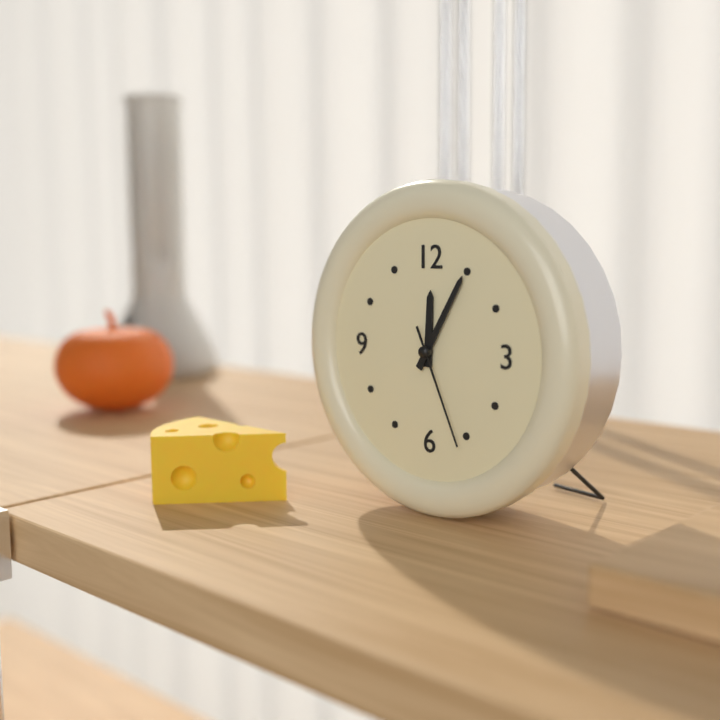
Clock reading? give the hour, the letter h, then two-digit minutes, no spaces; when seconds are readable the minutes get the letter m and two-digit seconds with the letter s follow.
12h05m26s
